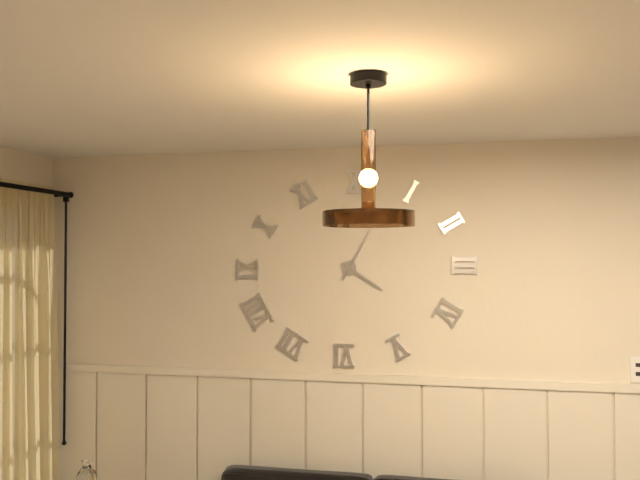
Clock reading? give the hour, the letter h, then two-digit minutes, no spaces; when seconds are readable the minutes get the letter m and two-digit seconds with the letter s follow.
4h05
